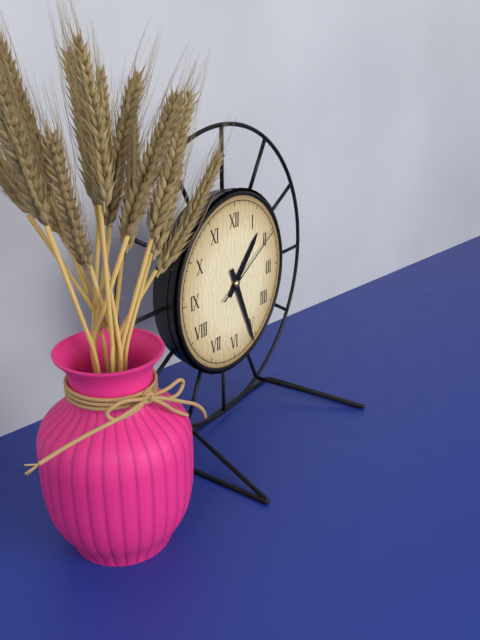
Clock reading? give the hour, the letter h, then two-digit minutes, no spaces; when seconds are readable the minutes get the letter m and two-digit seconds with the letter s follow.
1h26m10s
